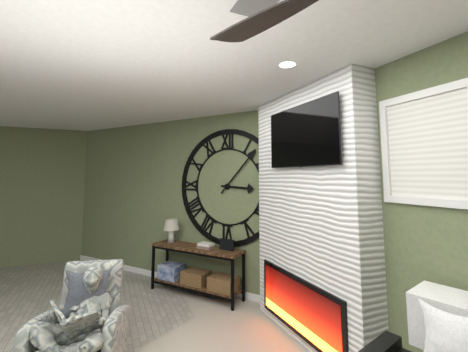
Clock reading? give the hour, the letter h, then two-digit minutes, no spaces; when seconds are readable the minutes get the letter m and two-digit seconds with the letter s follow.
3h07
